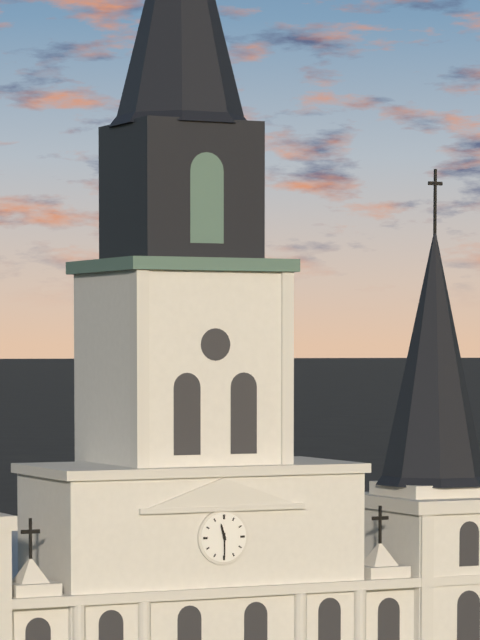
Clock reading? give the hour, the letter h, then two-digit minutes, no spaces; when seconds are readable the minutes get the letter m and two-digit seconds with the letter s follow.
11h30
